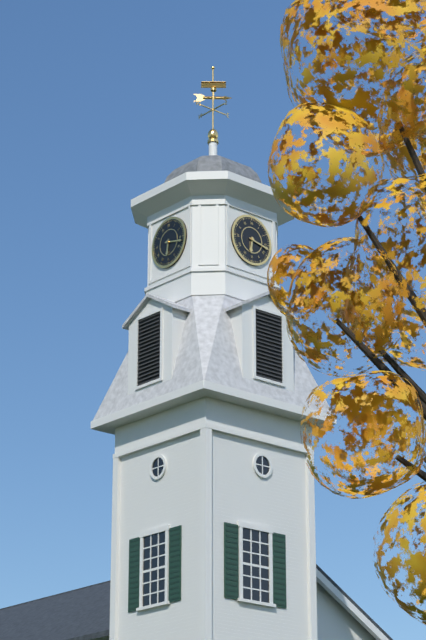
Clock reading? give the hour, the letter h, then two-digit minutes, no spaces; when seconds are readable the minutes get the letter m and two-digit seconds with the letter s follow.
6h17
